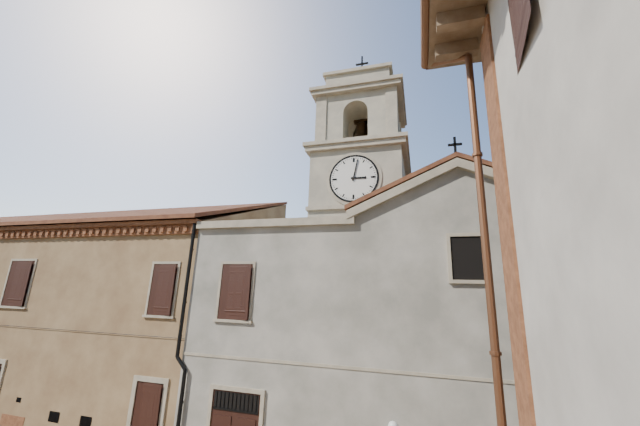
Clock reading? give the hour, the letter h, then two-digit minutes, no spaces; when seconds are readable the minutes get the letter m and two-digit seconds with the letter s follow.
3h02
